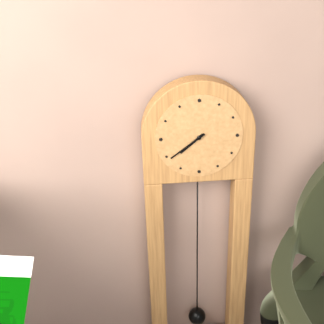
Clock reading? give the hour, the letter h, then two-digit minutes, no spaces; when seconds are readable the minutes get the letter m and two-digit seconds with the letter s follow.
7h39
